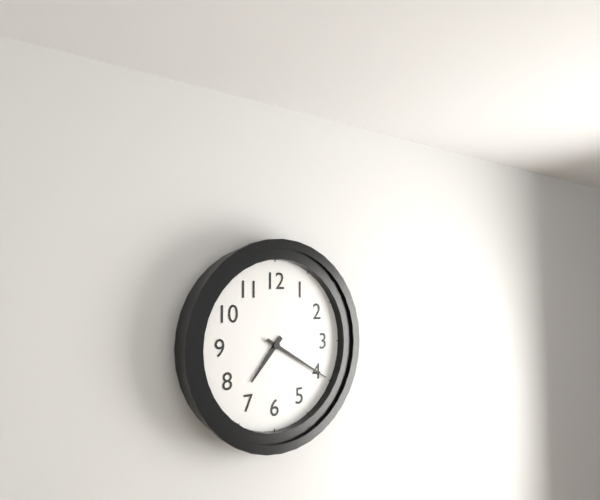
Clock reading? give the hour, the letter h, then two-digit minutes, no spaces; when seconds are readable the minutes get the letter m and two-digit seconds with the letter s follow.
7h20
